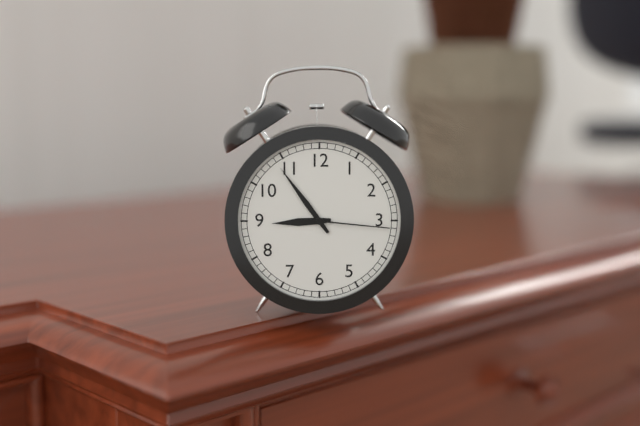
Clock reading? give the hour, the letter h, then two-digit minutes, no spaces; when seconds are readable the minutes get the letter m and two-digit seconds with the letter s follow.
8h54m16s
